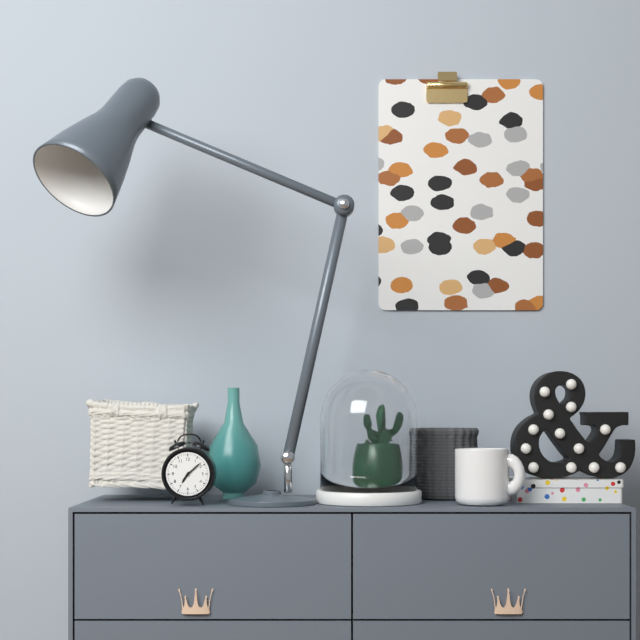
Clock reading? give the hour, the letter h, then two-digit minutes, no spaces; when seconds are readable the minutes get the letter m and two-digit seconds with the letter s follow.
7h08
